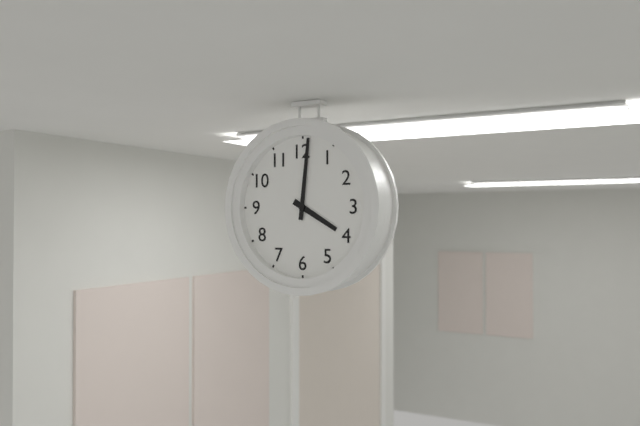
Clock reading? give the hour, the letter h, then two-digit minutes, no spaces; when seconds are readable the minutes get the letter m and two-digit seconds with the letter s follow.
4h01
